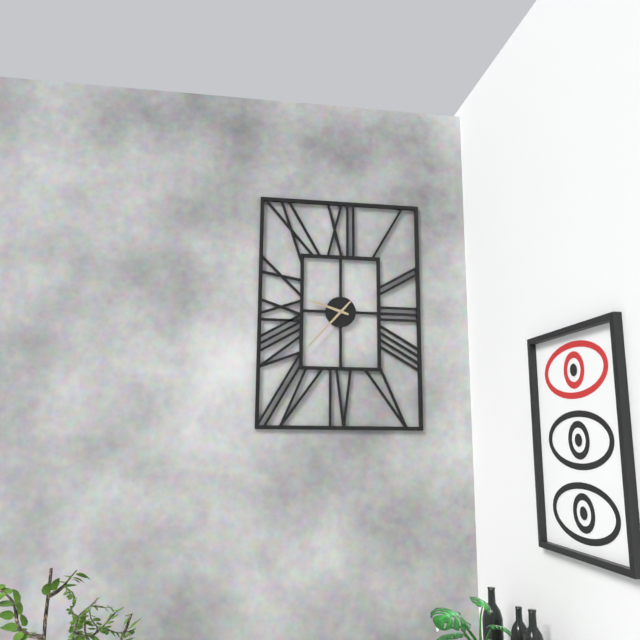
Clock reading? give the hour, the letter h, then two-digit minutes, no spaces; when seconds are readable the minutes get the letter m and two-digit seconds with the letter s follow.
9h37
